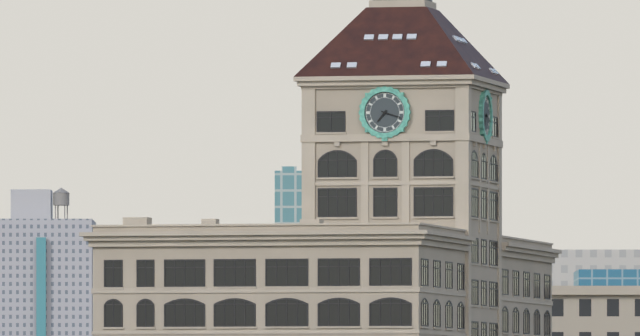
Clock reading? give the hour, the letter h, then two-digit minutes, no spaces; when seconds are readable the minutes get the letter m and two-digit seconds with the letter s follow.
7h18
